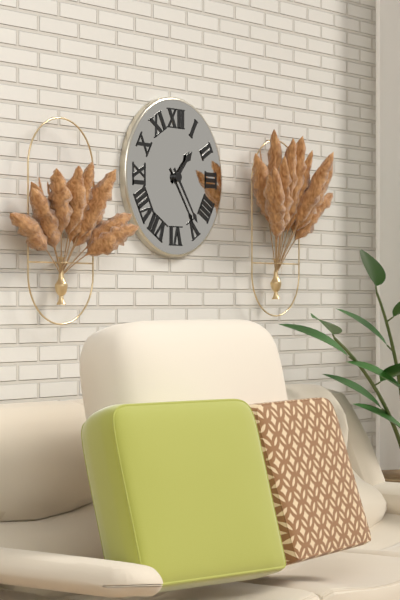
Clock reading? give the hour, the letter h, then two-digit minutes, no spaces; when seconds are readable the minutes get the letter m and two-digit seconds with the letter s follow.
1h24
